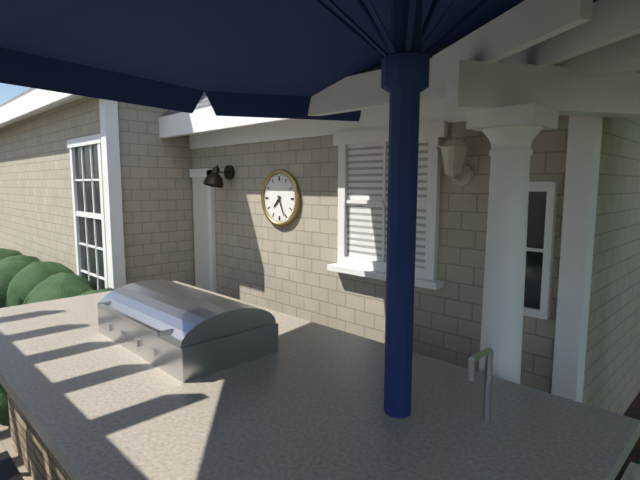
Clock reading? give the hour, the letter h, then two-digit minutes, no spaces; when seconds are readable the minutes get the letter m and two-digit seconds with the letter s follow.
7h26
